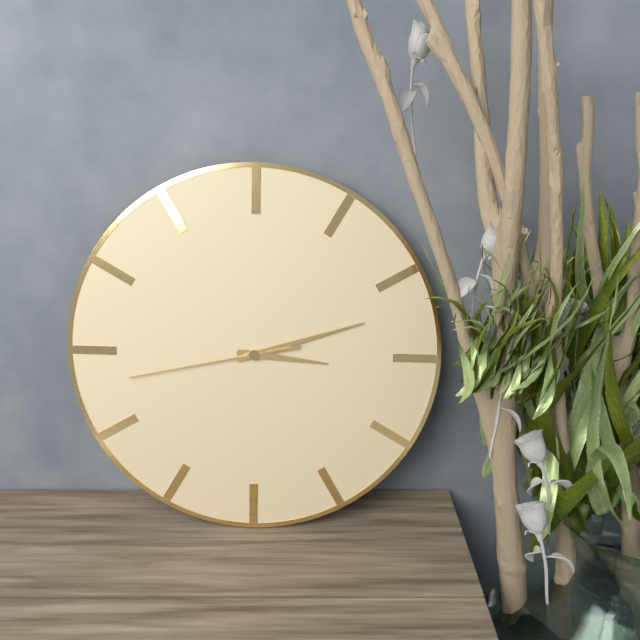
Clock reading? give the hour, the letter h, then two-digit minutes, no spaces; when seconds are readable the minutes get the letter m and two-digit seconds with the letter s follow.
3h12m43s
